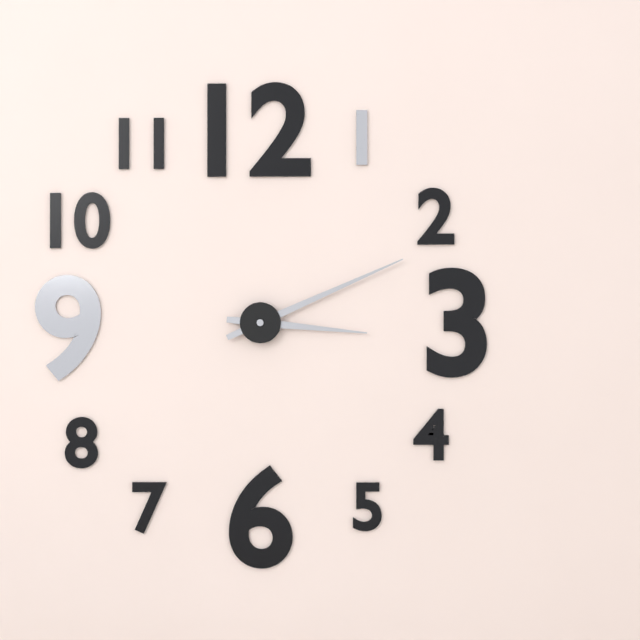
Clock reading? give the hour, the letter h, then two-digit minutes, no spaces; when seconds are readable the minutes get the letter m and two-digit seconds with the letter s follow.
3h11
